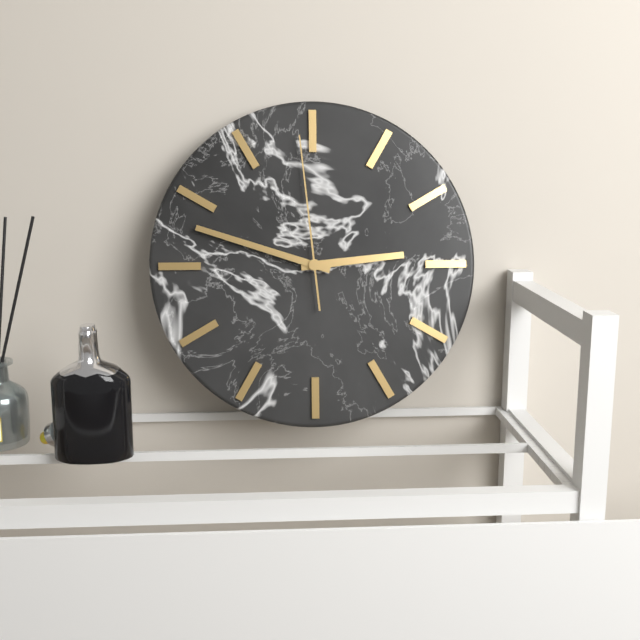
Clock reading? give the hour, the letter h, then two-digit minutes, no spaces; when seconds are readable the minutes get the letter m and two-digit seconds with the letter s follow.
2h48m59s
